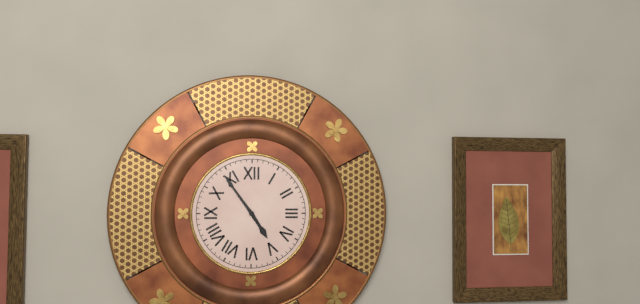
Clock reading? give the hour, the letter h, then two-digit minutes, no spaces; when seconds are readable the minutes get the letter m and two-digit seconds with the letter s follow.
4h54
